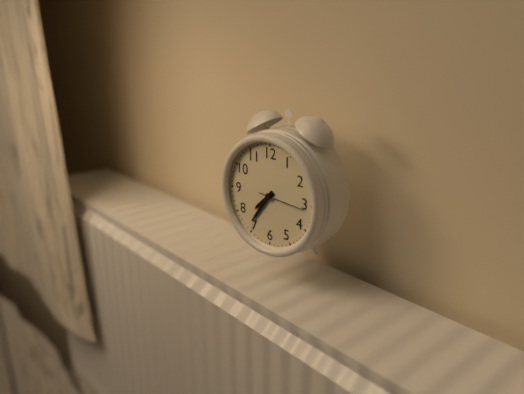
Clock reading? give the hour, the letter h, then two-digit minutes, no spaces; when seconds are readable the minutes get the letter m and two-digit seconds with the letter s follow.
7h36
